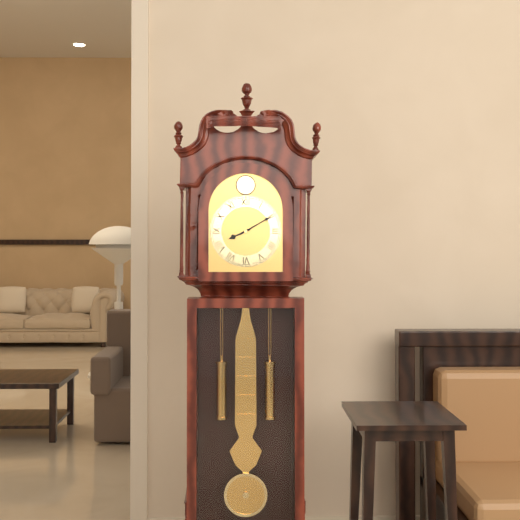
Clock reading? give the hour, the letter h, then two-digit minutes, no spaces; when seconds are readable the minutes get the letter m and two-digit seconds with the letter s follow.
8h10
